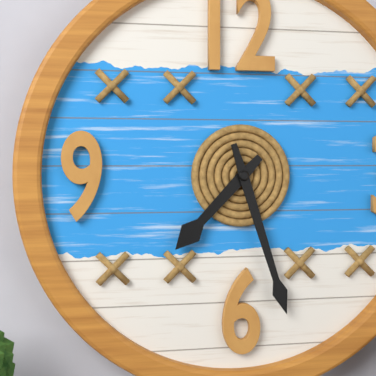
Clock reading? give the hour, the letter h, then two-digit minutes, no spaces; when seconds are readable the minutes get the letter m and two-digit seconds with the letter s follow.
7h27
